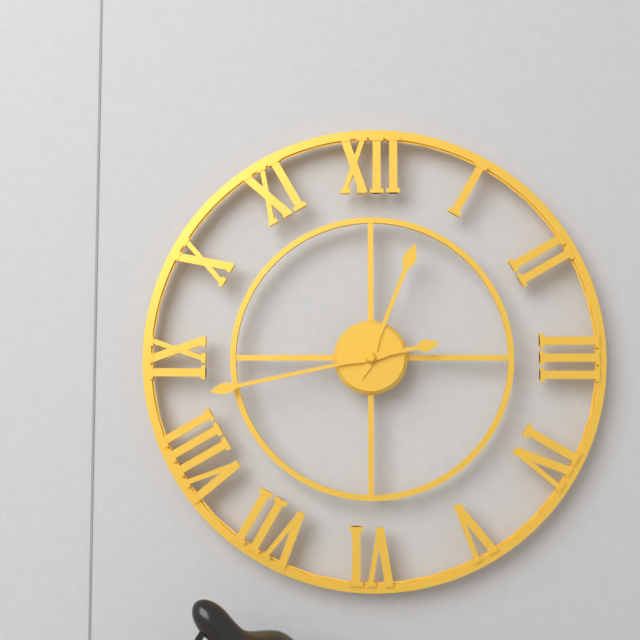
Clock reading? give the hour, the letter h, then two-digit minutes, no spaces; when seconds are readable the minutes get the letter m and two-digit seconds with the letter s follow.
12h43
